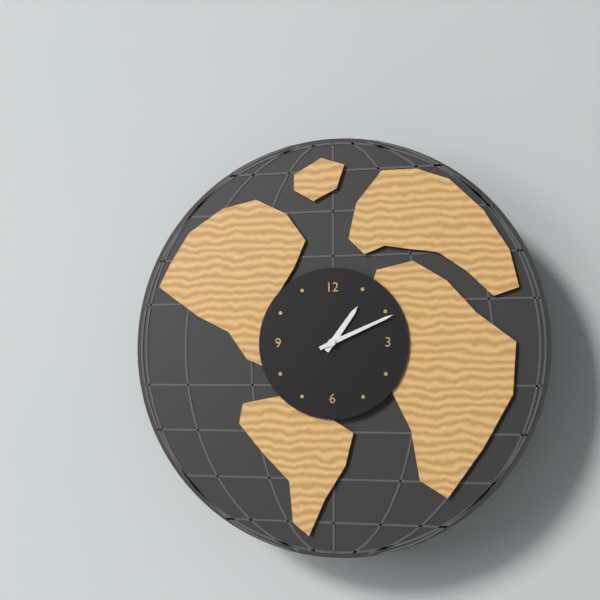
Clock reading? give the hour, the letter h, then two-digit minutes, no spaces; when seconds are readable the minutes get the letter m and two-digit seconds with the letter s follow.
1h11
